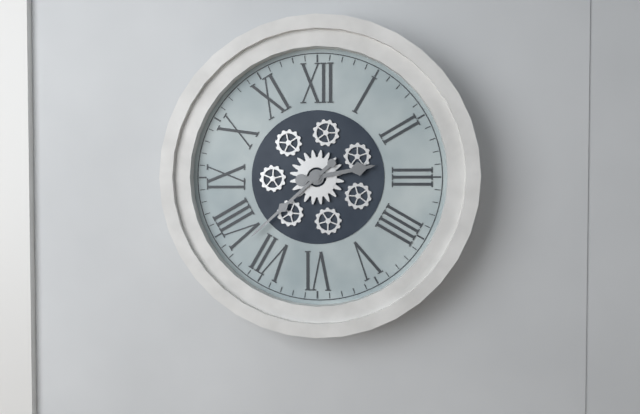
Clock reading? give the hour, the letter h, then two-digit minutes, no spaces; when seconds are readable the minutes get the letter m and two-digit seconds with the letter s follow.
2h38
